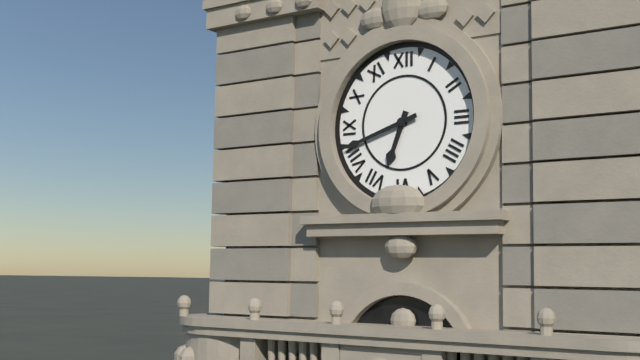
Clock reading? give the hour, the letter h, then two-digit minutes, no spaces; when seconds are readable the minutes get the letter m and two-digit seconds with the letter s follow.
6h42
